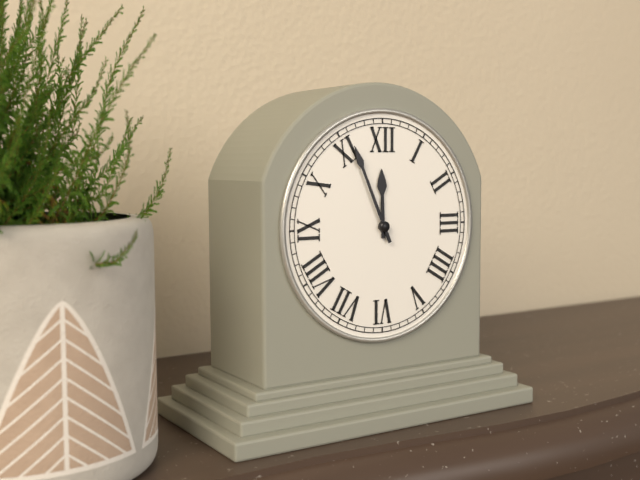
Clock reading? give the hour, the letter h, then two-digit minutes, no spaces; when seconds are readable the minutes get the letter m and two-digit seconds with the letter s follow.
11h56
